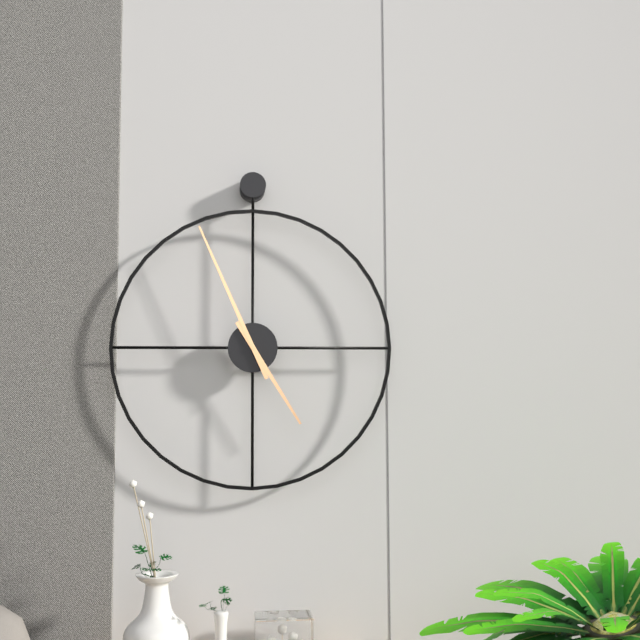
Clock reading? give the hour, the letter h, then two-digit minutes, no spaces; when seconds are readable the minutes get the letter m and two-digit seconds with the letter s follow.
4h56
